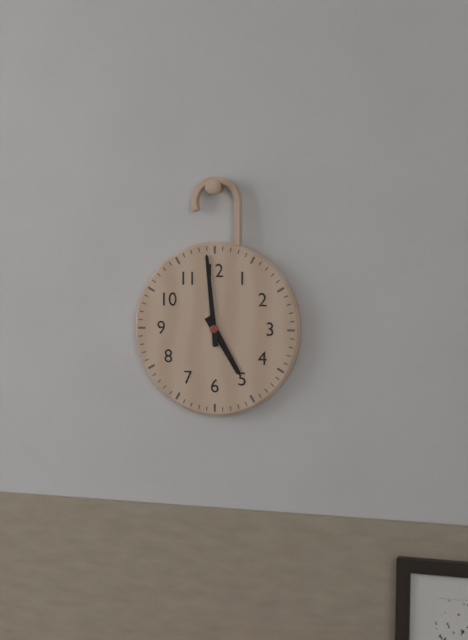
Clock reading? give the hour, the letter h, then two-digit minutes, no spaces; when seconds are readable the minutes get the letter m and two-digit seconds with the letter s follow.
4h59
